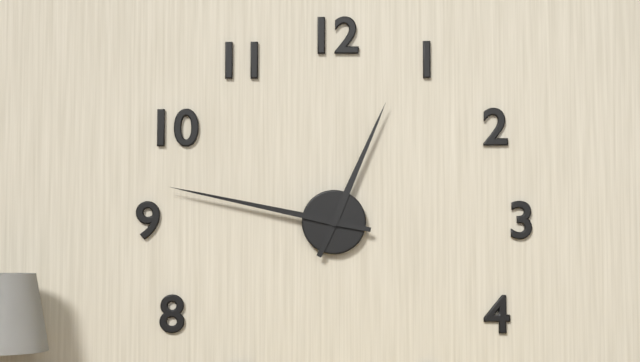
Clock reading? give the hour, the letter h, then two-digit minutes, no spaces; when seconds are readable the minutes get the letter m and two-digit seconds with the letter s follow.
12h47
